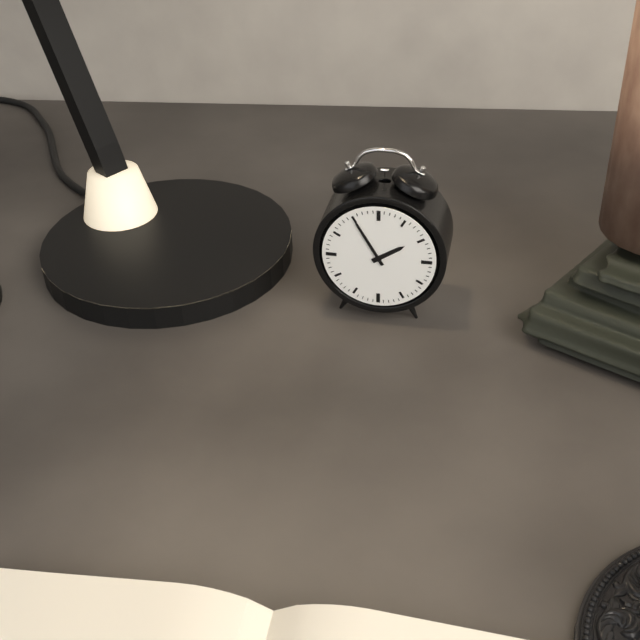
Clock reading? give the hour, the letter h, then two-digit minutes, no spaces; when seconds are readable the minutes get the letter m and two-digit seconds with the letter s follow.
1h55
